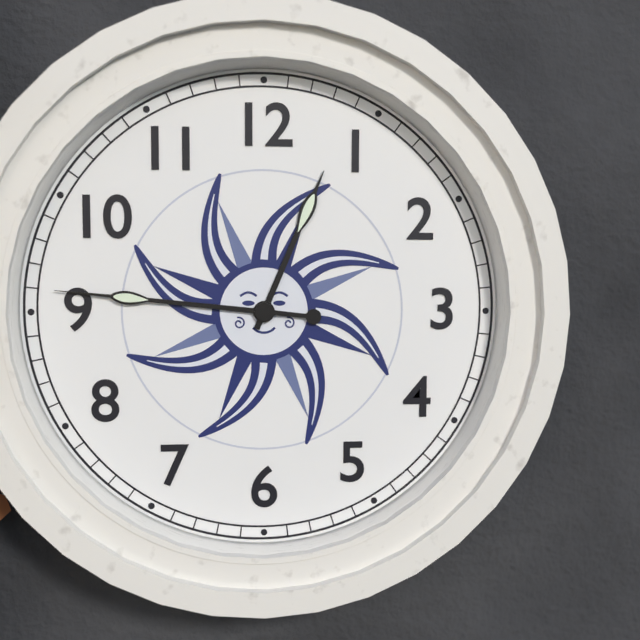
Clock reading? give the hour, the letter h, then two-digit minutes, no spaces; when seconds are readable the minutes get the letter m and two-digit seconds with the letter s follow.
12h46
